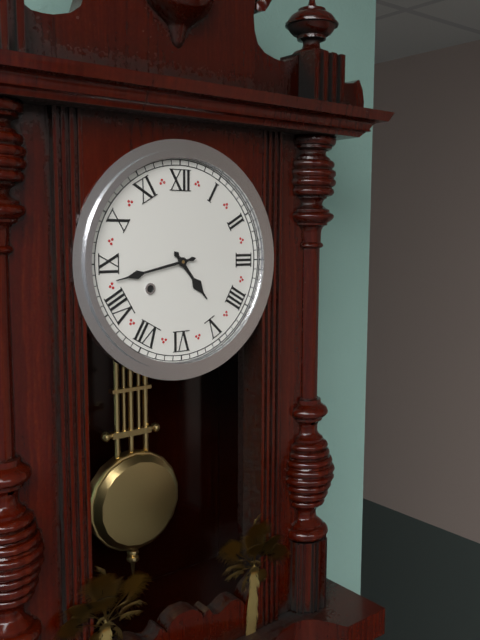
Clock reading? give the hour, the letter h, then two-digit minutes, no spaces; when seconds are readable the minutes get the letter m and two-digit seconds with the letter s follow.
4h43
